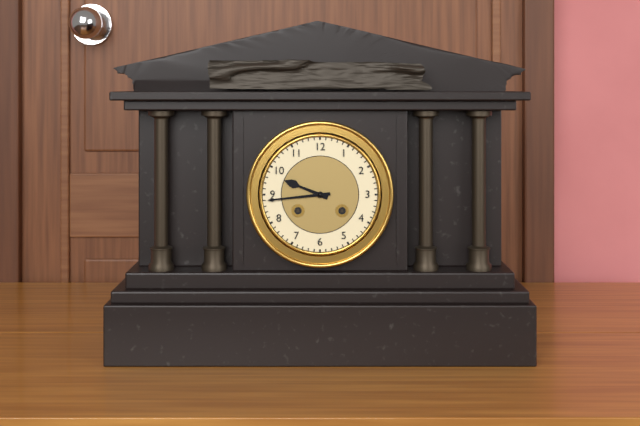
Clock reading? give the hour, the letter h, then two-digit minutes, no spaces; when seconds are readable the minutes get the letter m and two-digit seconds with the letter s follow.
9h44
